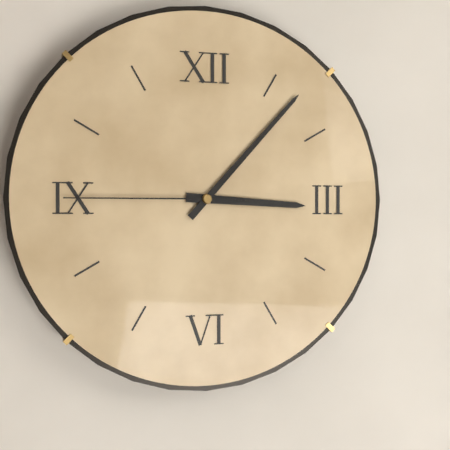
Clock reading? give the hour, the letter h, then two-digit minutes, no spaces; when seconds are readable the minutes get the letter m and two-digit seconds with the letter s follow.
3h07m45s
